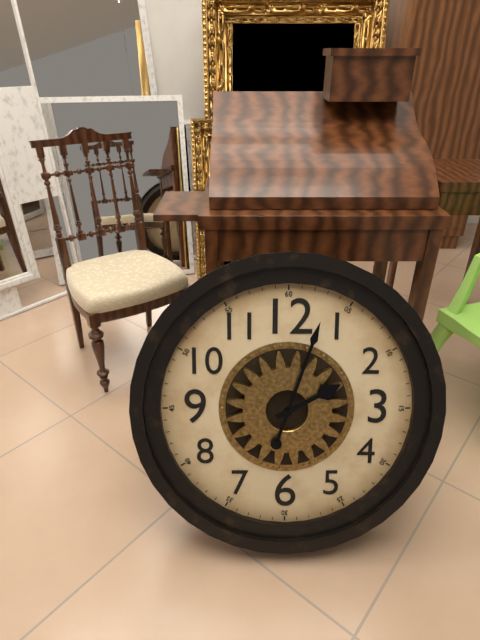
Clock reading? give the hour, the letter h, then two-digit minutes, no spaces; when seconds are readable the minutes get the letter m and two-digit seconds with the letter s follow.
2h03
